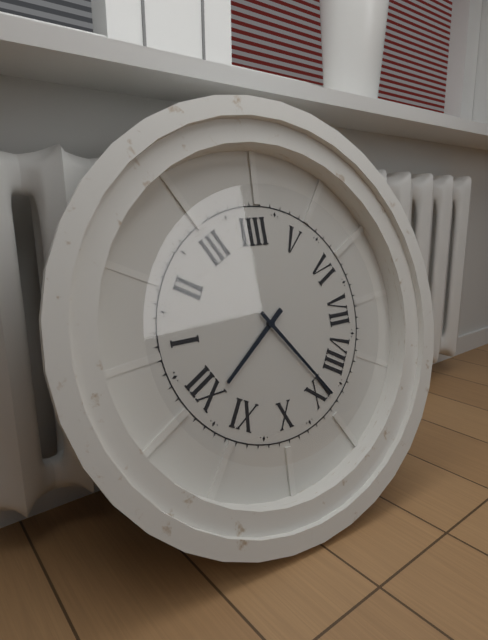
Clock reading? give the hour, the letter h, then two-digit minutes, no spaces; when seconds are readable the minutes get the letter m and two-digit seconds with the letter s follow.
11h44
